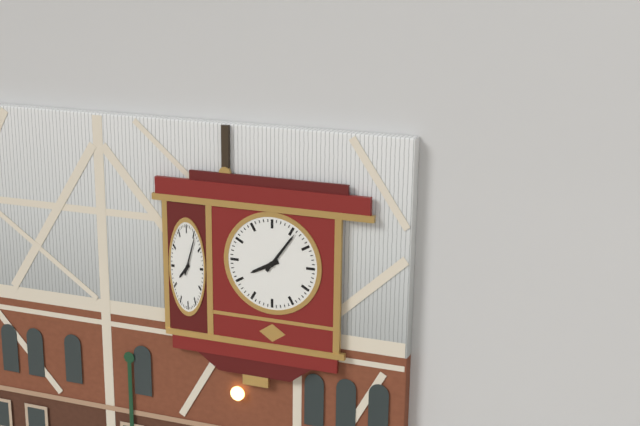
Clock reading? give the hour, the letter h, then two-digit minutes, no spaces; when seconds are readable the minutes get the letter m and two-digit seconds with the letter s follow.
8h06
